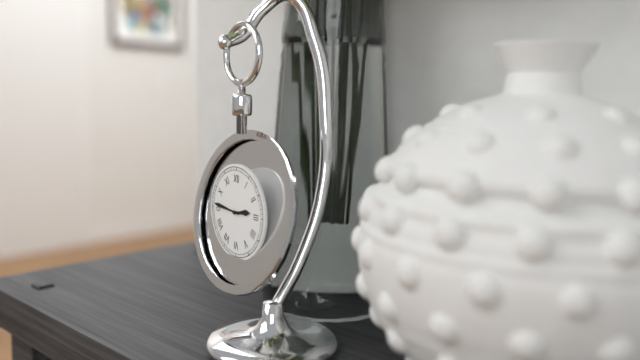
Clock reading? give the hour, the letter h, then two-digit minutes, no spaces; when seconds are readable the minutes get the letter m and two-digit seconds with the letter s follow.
2h46
